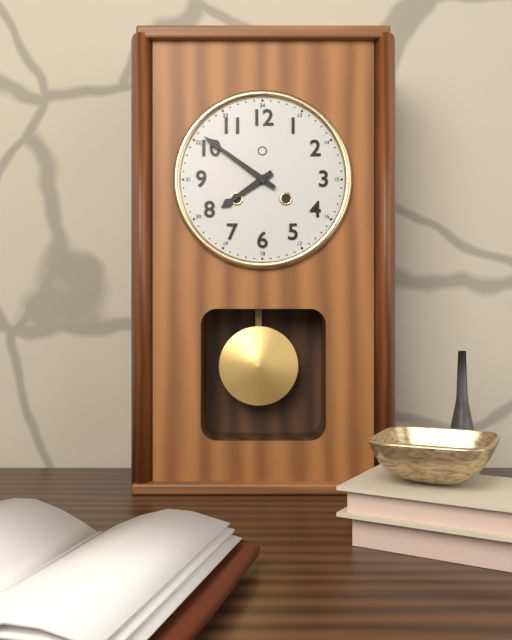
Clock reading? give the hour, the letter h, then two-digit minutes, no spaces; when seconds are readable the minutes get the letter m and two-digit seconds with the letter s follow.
7h51
